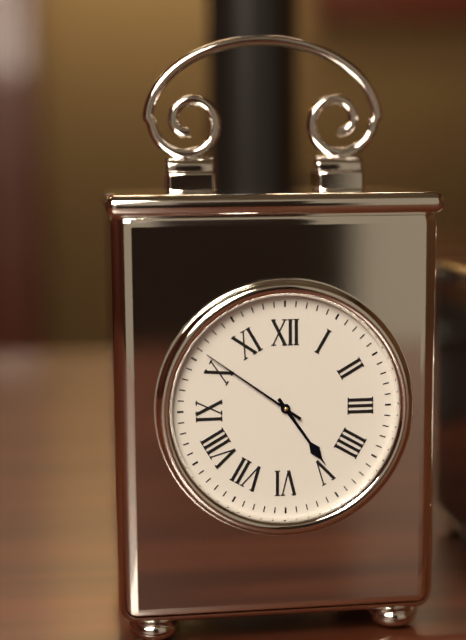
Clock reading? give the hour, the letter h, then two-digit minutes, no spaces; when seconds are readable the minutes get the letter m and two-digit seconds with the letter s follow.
4h51
